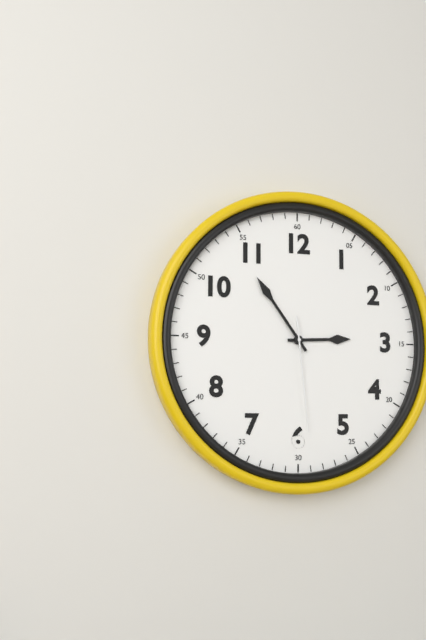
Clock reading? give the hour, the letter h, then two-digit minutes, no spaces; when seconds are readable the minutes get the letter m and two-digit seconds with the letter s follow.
2h54m29s
